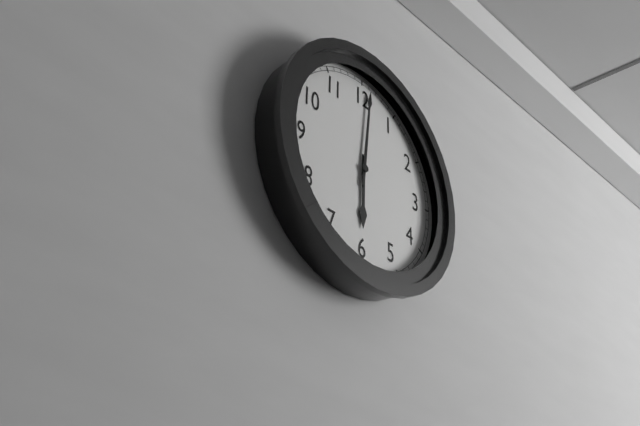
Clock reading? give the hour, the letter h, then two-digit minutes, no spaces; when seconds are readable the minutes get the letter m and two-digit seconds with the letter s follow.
6h01
